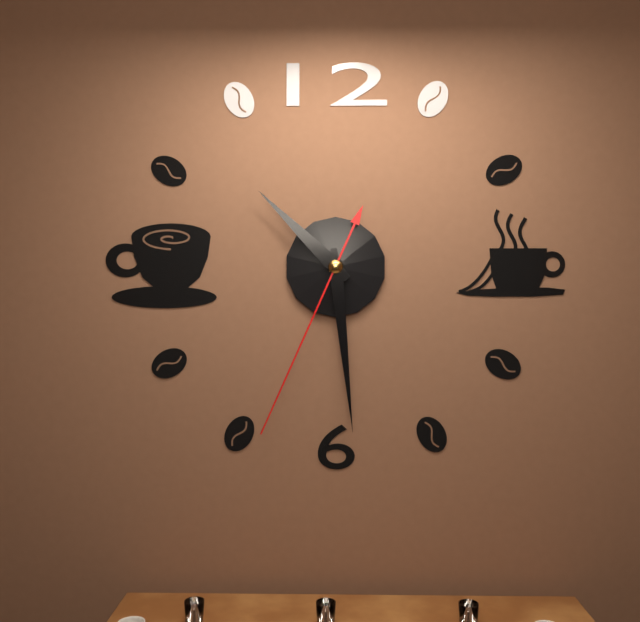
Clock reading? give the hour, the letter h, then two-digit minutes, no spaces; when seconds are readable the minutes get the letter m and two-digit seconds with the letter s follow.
10h29m34s
